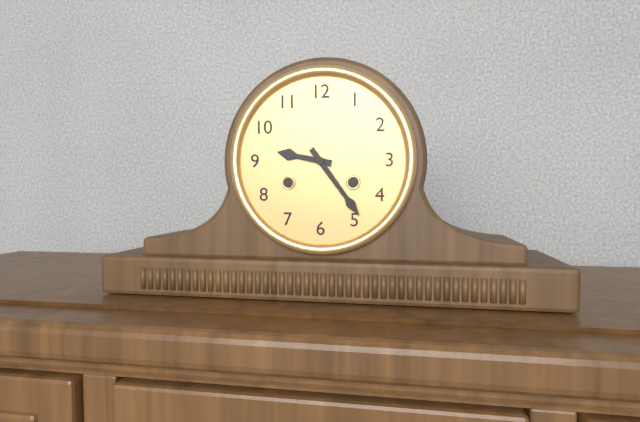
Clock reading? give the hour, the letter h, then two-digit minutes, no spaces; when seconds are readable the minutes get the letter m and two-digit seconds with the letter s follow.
9h24
